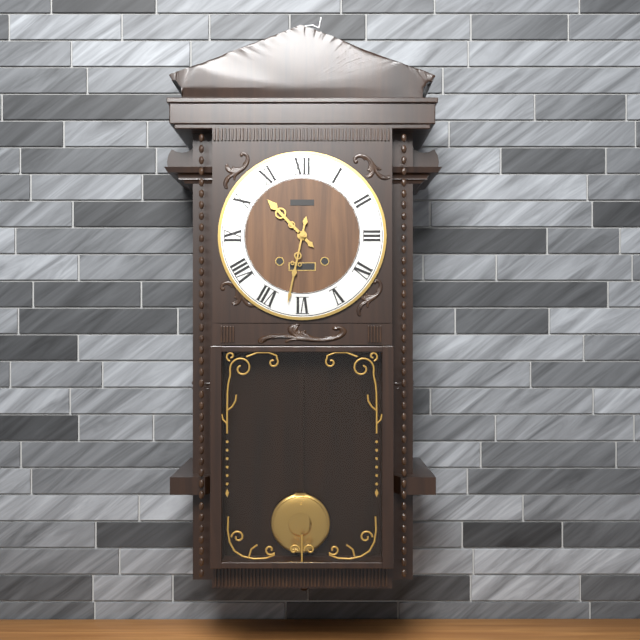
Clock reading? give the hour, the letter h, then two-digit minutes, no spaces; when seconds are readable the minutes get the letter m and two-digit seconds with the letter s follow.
10h32
